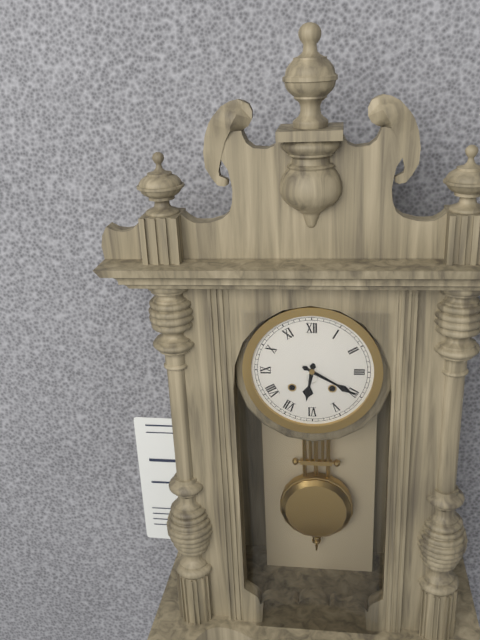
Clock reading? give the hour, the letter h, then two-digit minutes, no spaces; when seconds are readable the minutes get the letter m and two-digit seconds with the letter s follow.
6h20
